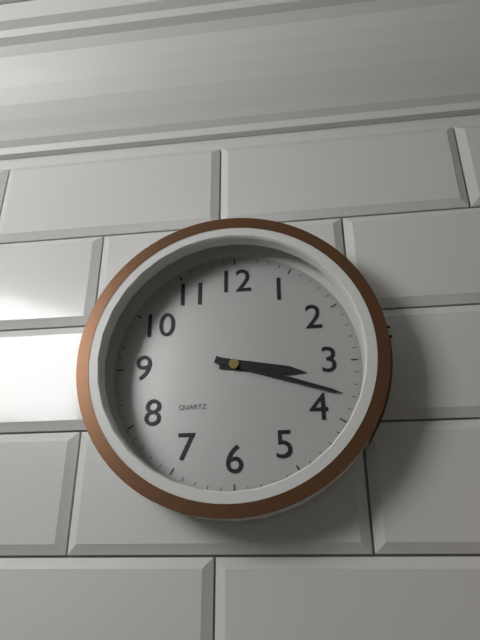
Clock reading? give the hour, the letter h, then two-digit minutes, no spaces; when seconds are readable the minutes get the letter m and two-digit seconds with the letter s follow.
3h18
